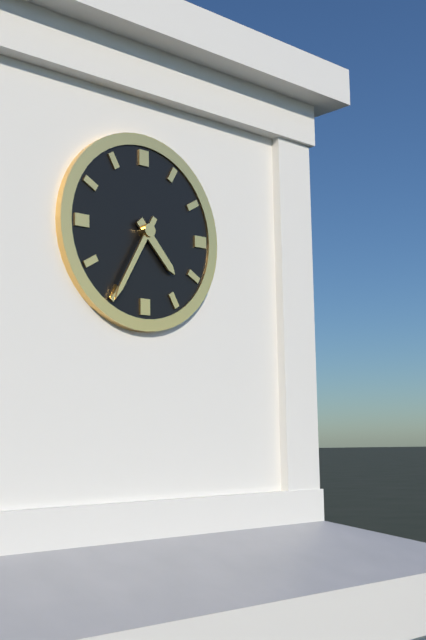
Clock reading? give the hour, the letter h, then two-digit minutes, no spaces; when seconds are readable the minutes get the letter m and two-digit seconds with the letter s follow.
4h35
